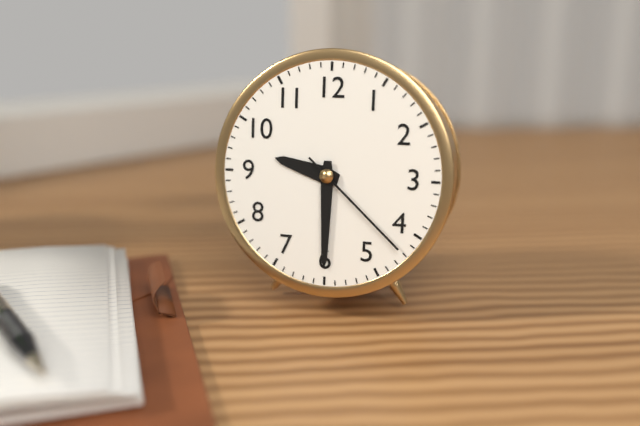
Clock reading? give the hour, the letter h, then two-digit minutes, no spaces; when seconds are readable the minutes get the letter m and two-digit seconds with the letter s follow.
9h30m22s
